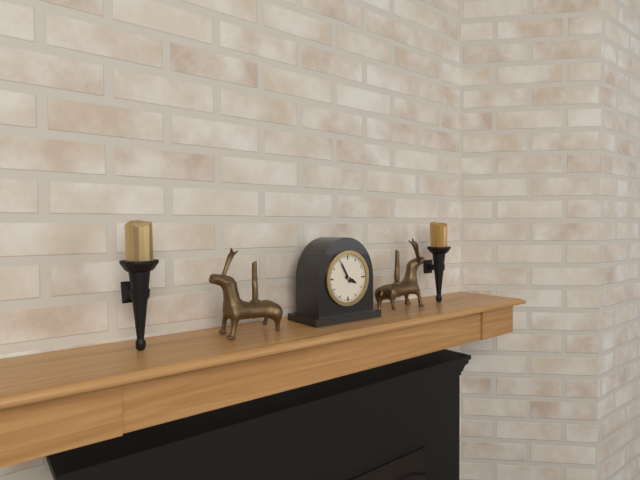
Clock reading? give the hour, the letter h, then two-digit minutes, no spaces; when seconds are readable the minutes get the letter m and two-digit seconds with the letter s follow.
3h55
